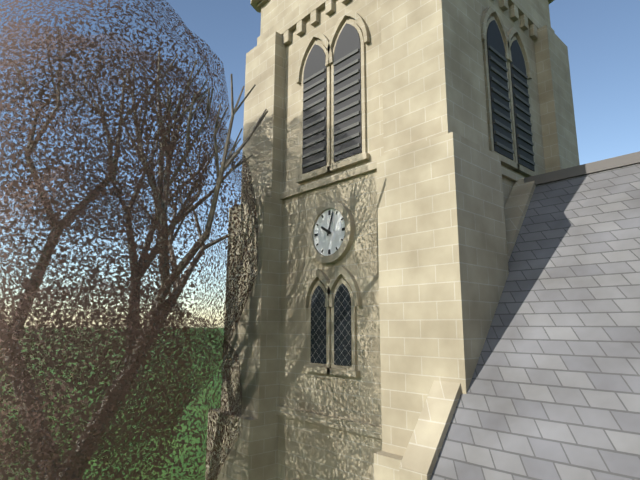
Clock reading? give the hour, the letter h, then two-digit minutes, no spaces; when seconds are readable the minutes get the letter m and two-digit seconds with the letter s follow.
10h03
